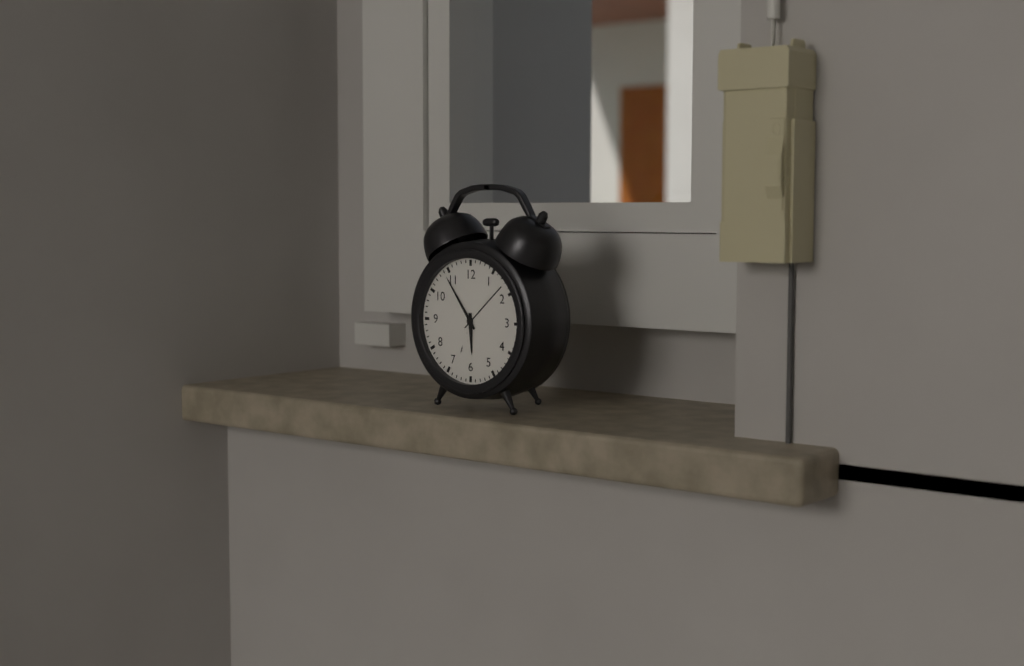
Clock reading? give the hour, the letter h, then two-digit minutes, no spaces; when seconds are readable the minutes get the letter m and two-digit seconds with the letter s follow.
5h54
